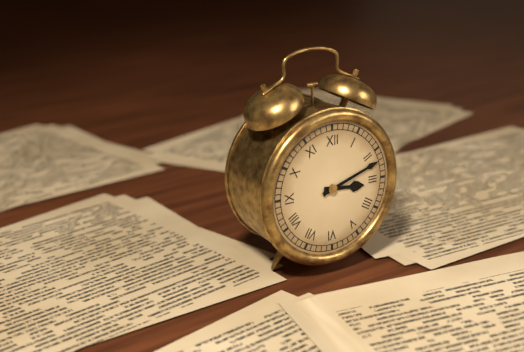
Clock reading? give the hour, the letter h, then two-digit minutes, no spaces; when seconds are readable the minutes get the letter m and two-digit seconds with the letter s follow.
3h12
